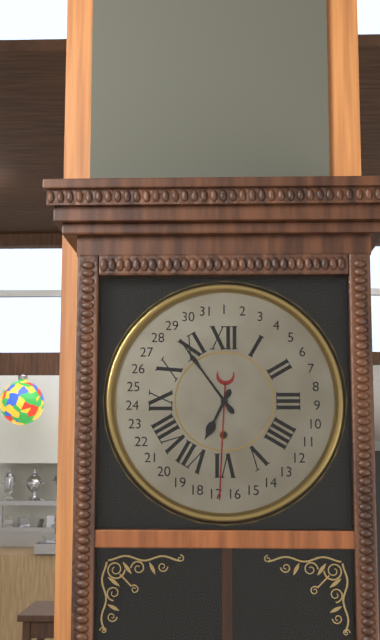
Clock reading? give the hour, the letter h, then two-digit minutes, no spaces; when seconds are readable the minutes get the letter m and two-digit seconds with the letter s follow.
6h54
